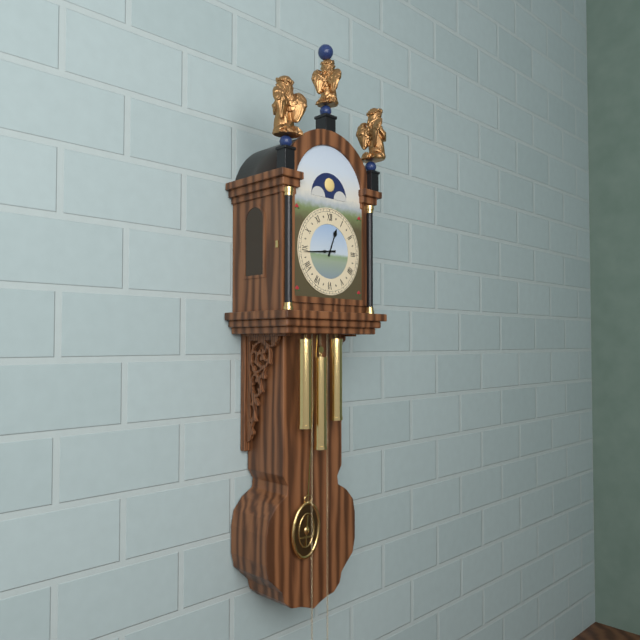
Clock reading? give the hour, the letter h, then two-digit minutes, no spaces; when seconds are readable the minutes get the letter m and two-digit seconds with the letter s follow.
12h44
